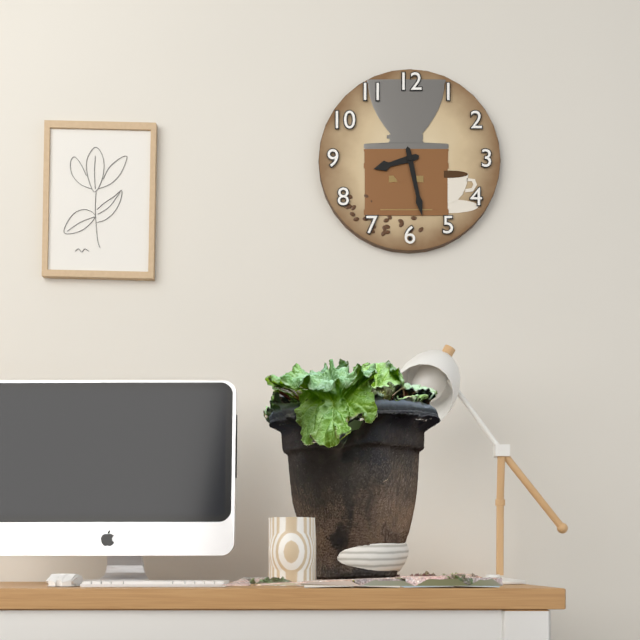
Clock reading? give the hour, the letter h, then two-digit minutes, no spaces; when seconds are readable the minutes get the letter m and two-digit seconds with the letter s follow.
8h28
